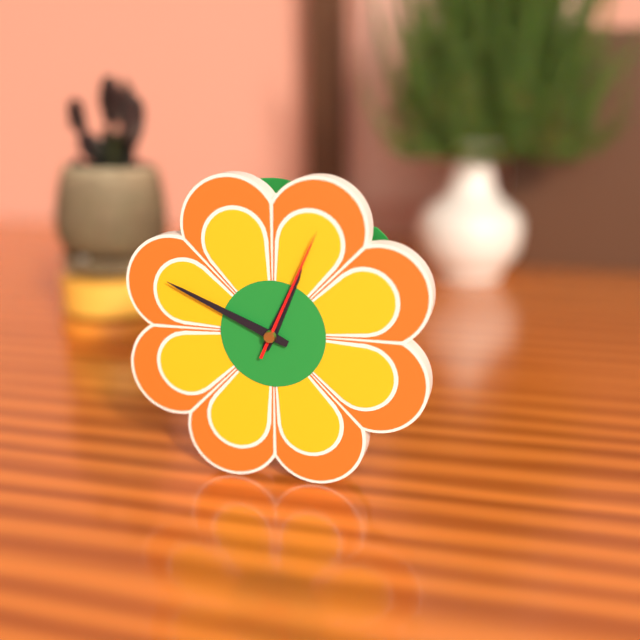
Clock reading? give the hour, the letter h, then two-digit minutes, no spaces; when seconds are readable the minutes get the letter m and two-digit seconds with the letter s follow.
12h49m04s
